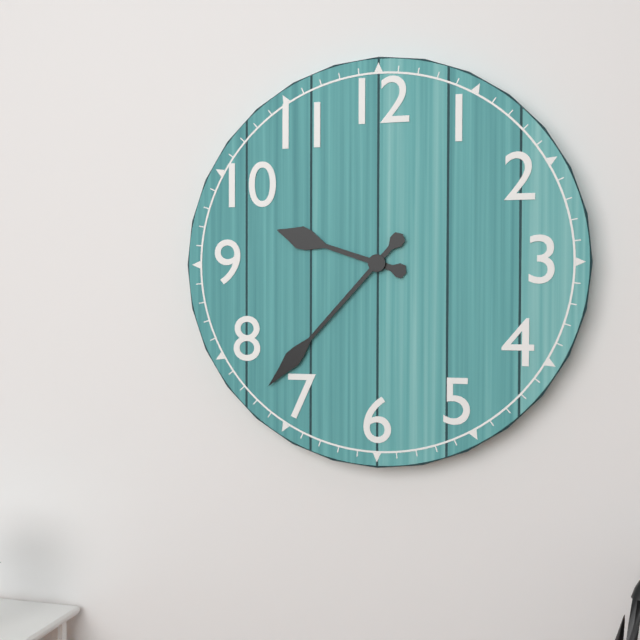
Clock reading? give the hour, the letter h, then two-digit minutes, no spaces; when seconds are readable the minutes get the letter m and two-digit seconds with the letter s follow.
9h37
